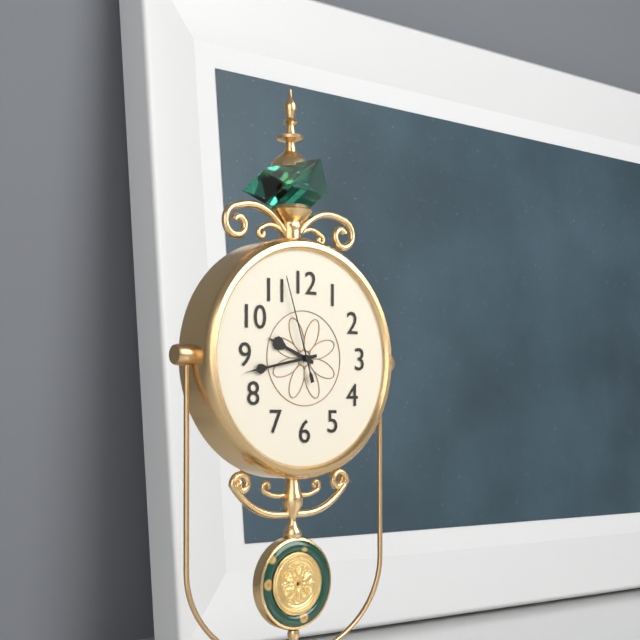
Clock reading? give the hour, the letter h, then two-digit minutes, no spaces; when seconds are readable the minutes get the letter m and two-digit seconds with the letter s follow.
9h43m57s
